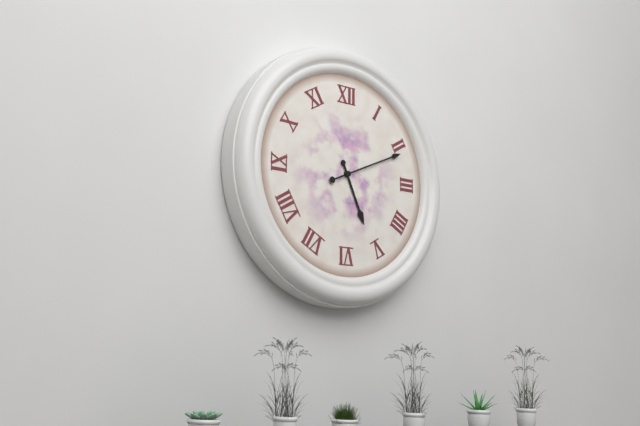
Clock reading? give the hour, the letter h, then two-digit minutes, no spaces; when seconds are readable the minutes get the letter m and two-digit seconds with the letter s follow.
5h11
